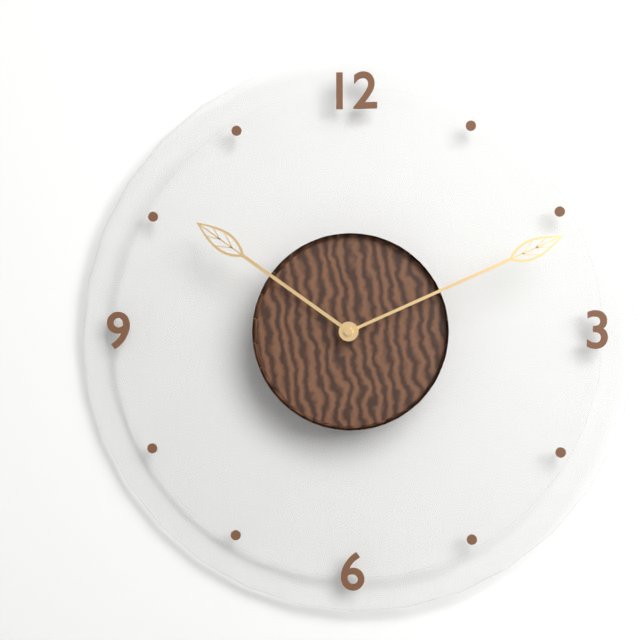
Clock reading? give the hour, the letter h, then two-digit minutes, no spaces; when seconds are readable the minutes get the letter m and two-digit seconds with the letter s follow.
10h11
